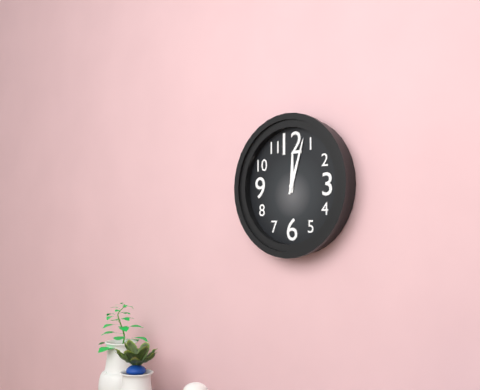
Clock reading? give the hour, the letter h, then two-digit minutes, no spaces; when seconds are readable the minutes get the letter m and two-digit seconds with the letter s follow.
12h03
